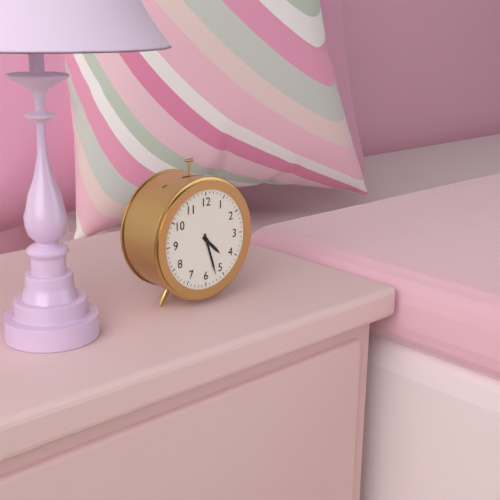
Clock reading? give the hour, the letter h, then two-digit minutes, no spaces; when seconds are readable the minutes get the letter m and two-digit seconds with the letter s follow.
4h27
